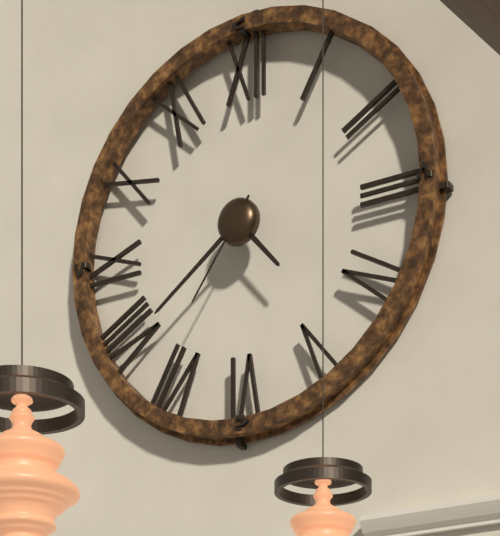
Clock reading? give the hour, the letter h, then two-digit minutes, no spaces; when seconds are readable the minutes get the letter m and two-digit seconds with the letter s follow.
4h39m36s
